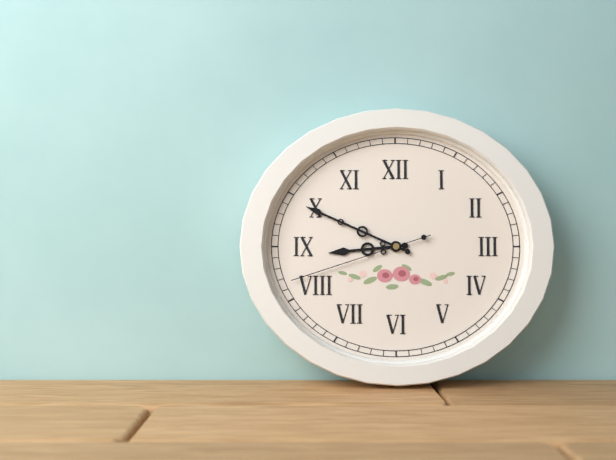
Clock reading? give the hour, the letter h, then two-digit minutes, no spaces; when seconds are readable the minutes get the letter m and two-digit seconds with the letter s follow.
8h49m42s
